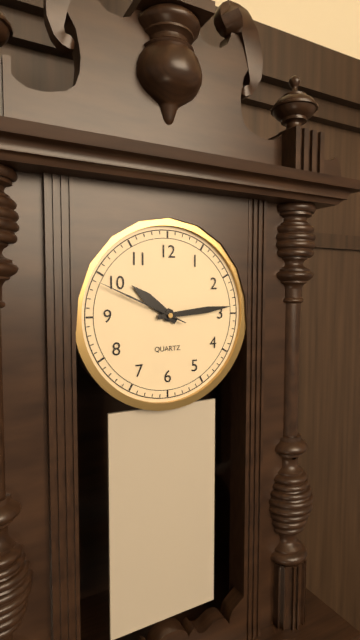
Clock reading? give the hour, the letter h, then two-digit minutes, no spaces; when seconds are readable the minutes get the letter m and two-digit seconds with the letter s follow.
10h14m49s
